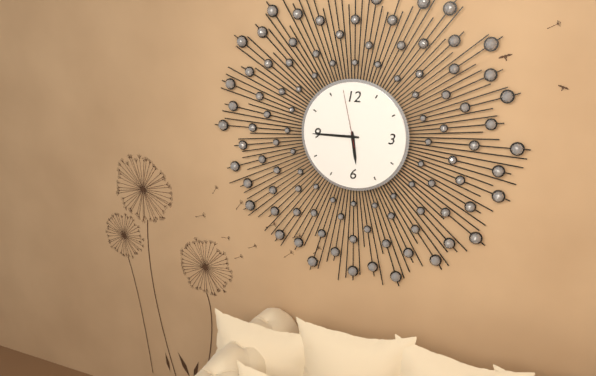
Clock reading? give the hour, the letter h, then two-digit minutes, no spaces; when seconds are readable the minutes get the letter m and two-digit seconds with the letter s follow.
5h45m58s
